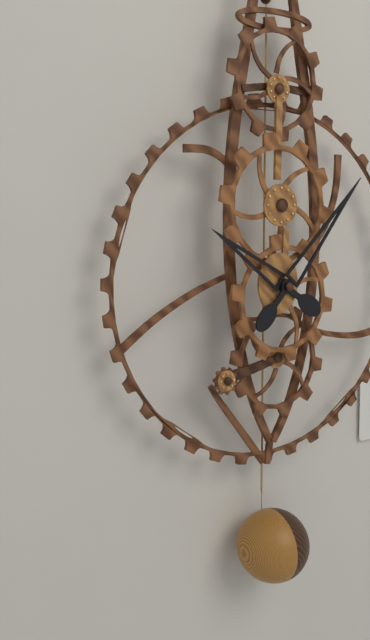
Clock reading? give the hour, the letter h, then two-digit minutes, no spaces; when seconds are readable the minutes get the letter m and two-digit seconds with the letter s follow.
10h07
